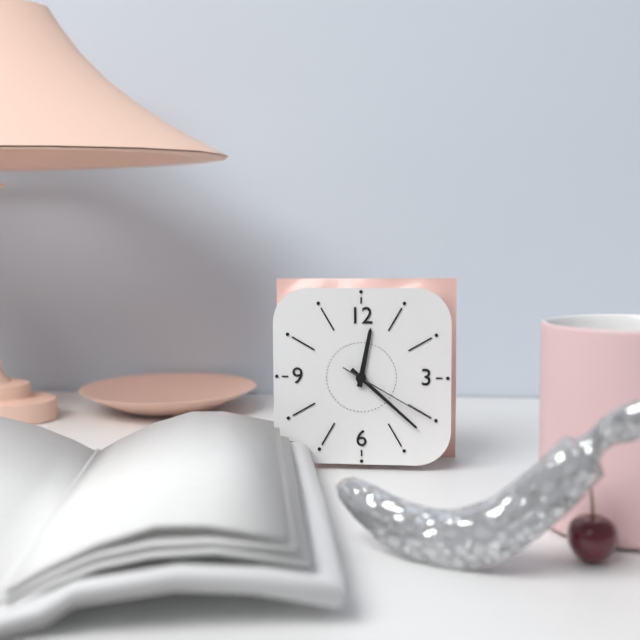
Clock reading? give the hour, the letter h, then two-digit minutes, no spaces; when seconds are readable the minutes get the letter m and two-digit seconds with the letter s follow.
12h22m20s
